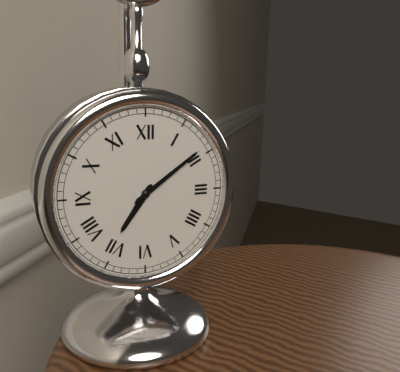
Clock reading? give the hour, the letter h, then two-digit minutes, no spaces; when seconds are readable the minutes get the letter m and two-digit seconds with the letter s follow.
7h09
